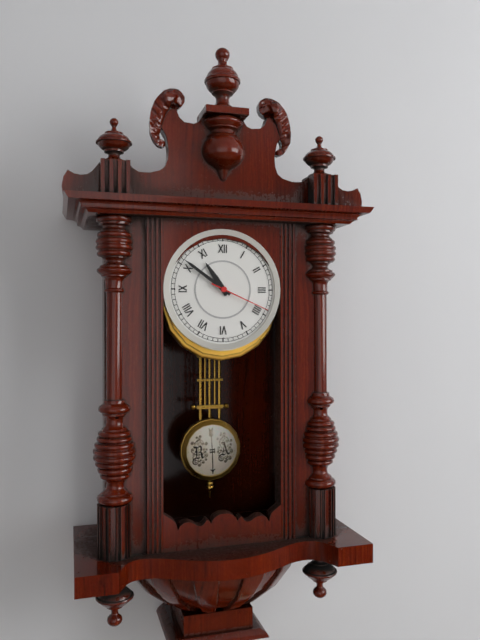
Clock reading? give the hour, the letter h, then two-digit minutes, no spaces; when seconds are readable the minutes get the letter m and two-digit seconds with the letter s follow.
10h51m19s
